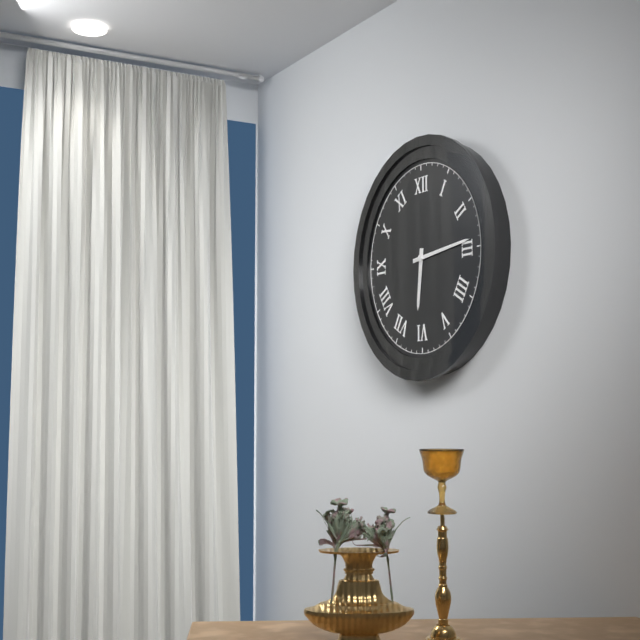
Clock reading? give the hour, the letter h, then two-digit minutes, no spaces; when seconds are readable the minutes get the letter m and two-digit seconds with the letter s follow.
6h14
